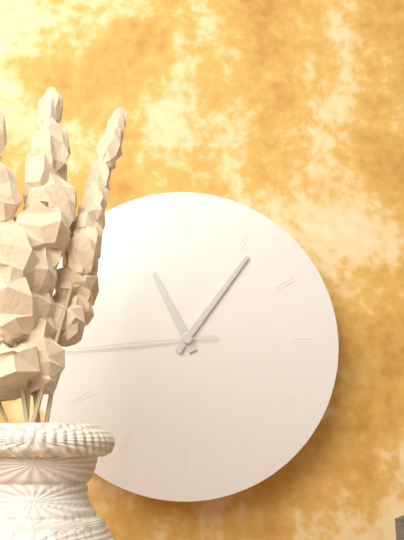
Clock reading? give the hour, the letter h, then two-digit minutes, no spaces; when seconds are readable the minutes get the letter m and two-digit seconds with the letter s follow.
11h06m44s
